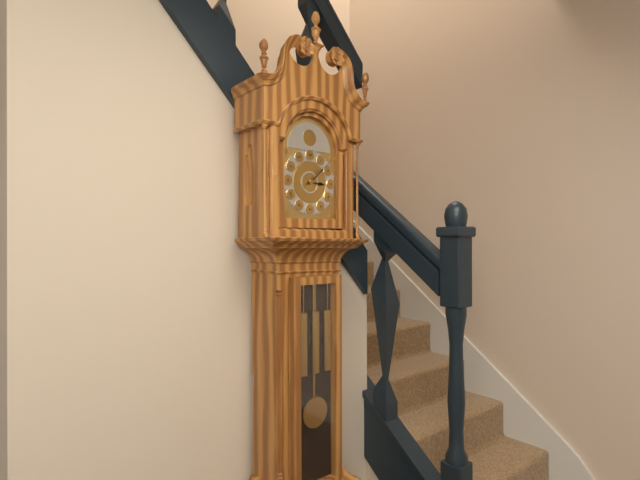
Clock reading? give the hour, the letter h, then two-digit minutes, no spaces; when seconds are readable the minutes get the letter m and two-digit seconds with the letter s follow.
3h08
